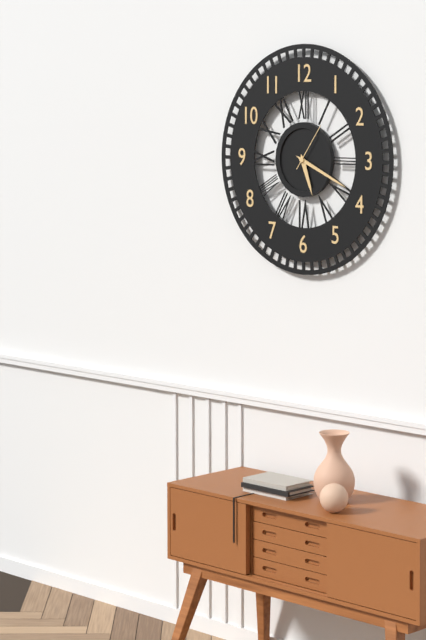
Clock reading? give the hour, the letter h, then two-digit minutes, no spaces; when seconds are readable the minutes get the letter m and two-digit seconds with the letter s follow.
5h19
